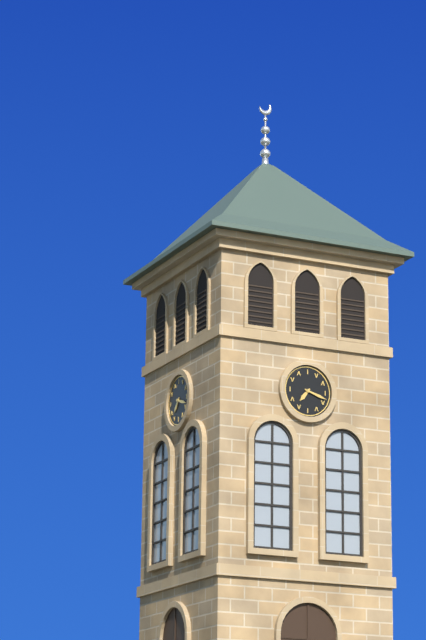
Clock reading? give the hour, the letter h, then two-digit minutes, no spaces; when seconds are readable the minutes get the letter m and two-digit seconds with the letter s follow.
7h18
